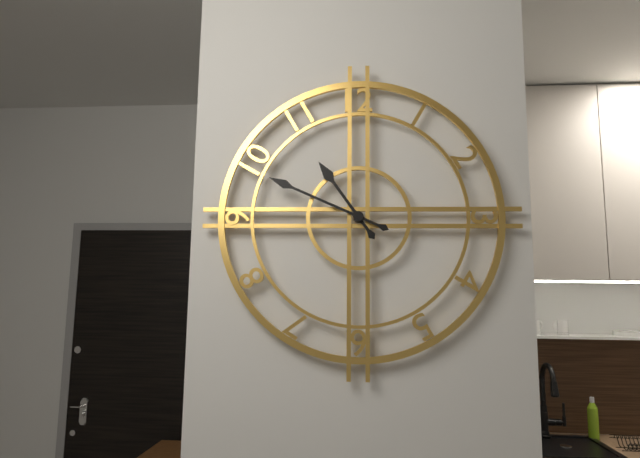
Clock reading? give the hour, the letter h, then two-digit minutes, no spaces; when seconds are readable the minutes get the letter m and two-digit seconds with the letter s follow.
10h49
